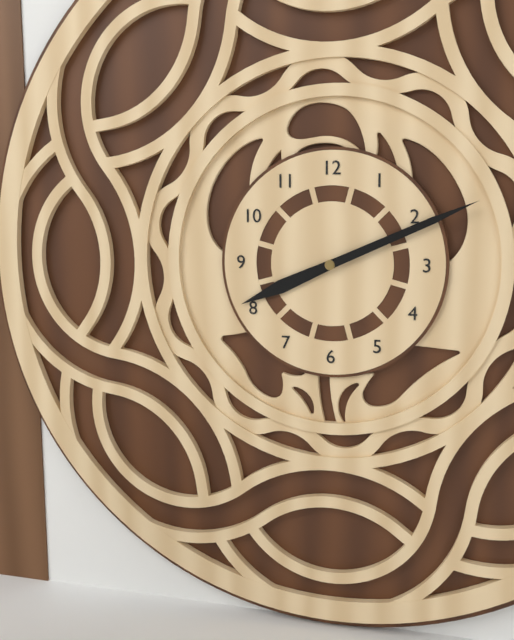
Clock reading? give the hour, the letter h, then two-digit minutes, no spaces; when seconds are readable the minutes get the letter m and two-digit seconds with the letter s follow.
8h11
